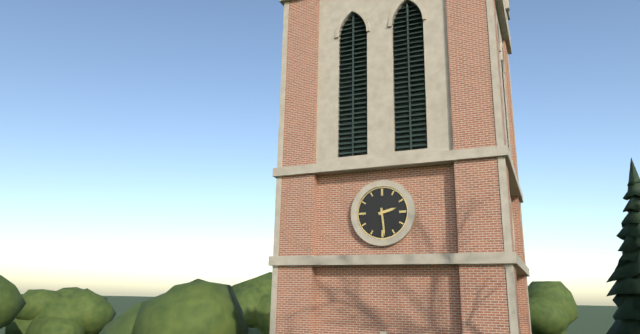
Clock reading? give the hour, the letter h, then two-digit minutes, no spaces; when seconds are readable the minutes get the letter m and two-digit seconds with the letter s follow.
2h29
